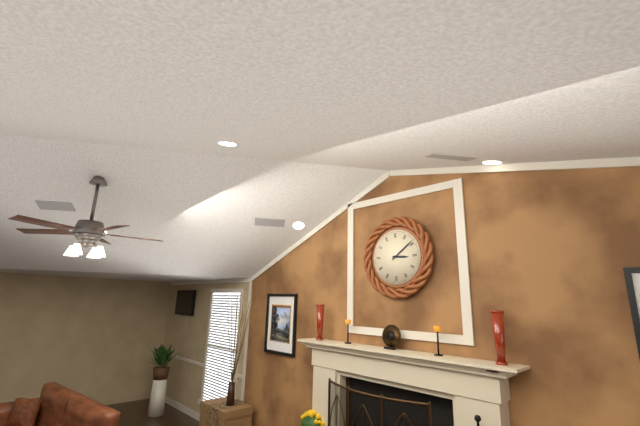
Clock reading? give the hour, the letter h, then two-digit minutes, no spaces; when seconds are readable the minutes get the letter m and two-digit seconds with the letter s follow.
3h09
